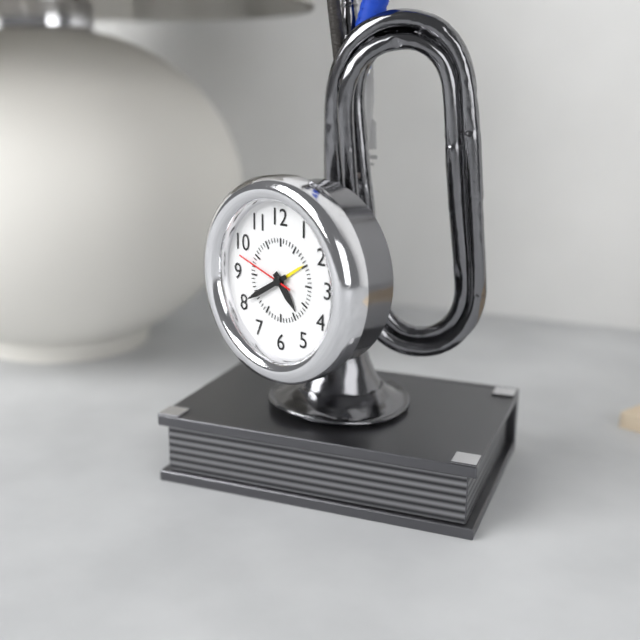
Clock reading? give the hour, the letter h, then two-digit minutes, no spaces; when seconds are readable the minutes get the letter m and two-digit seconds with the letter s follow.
4h40m48s
